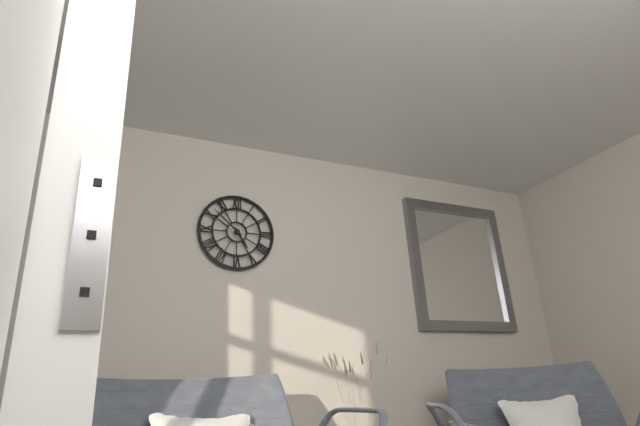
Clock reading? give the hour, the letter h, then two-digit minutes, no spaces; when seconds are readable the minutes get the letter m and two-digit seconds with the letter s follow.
4h52
